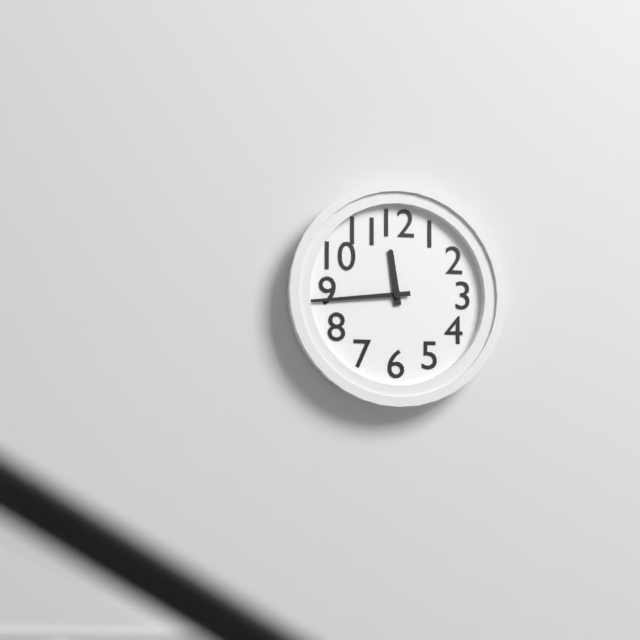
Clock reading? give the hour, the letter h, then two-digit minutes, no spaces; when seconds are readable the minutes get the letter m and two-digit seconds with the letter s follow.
11h44
